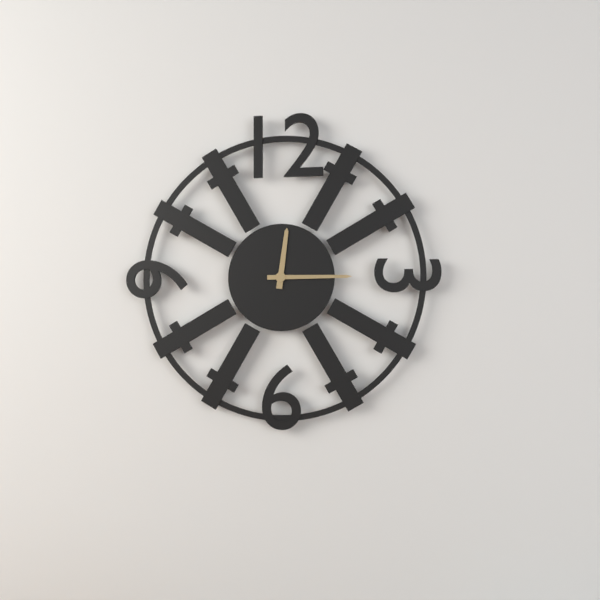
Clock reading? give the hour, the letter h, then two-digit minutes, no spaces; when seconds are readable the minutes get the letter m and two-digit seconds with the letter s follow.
12h15
